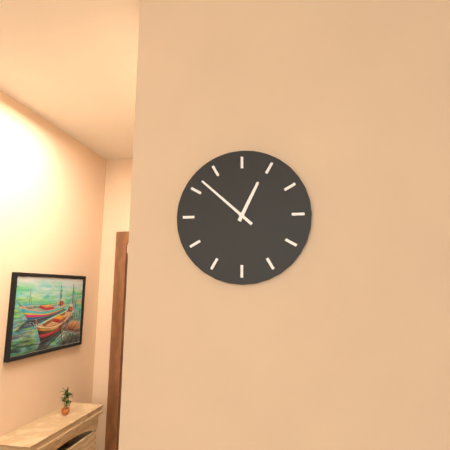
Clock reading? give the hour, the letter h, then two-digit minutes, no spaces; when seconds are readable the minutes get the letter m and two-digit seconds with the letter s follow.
12h52
